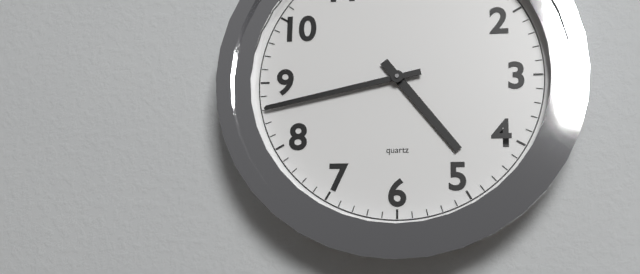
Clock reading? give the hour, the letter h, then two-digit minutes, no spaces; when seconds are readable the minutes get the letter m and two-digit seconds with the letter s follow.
4h43
